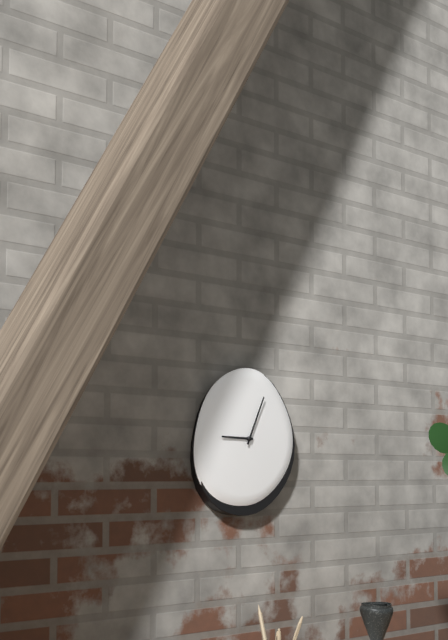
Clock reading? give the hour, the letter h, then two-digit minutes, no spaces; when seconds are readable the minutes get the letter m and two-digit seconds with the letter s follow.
9h04
